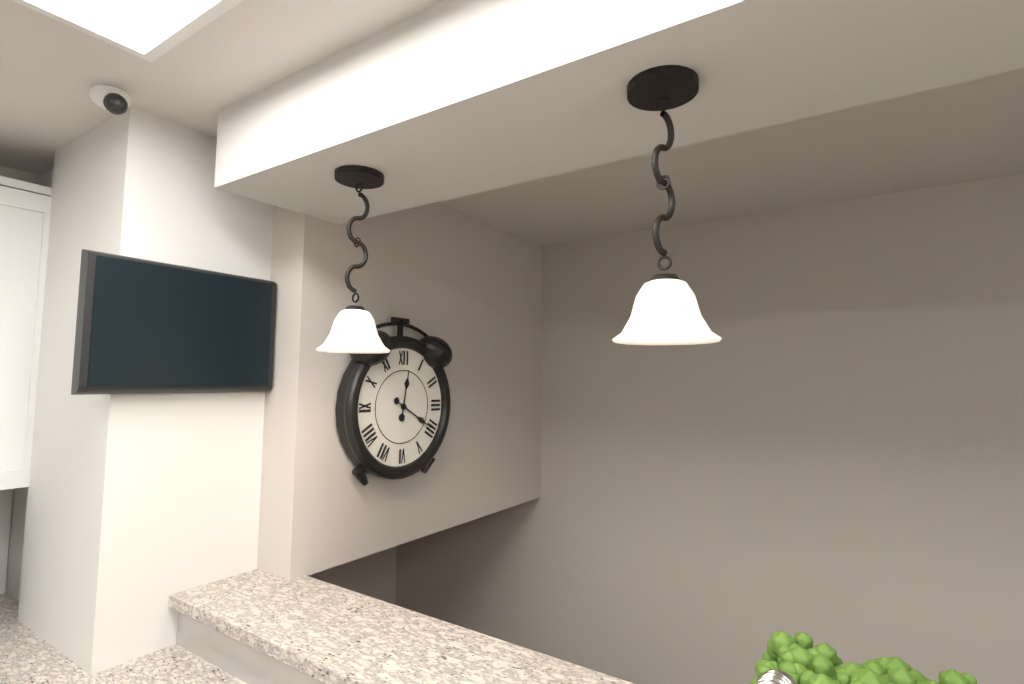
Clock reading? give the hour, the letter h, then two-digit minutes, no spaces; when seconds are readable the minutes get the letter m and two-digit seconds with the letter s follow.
12h20
